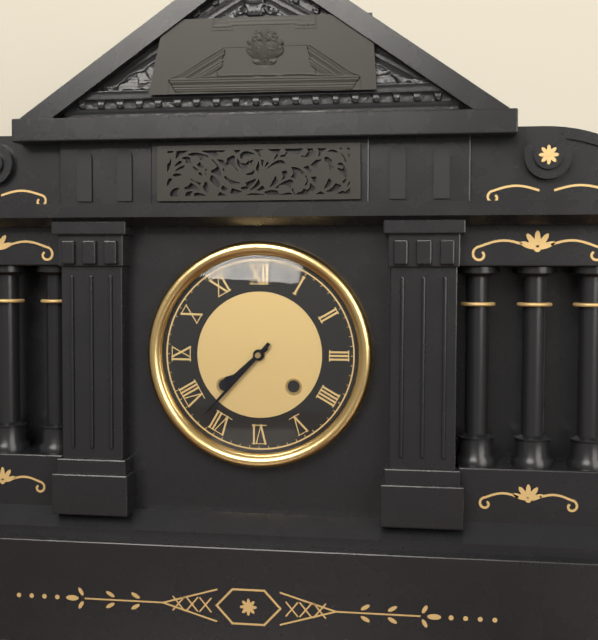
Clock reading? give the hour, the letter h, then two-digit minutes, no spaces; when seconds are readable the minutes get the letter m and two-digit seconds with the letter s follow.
7h37
